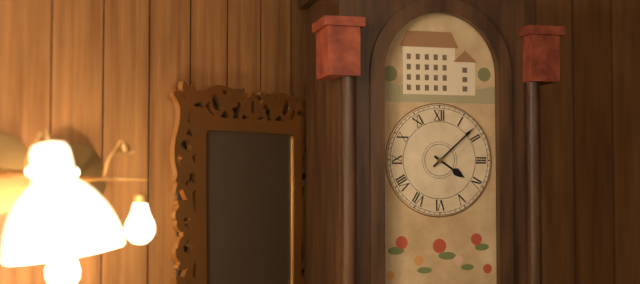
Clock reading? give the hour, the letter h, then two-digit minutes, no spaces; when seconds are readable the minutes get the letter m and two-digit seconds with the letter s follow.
4h08
